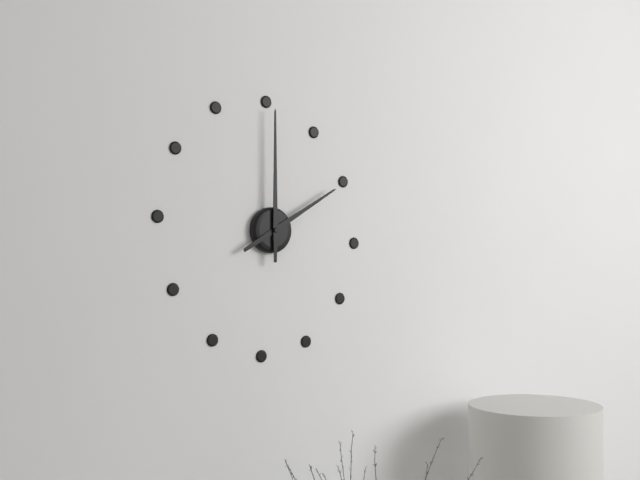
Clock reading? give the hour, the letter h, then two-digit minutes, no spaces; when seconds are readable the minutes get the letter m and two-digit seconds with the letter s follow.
2h00
